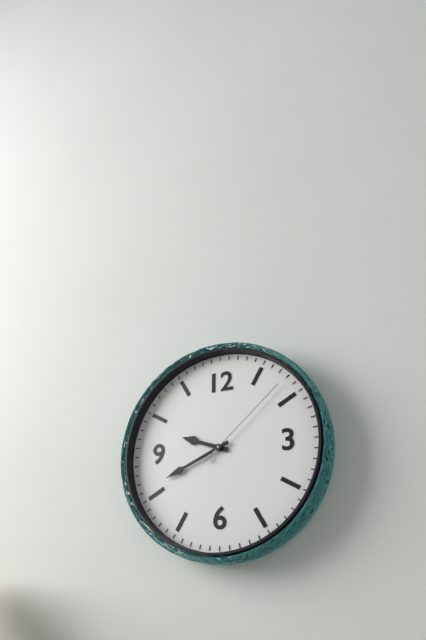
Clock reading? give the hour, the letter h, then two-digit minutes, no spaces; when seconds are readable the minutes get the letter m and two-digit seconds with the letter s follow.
9h41m08s
